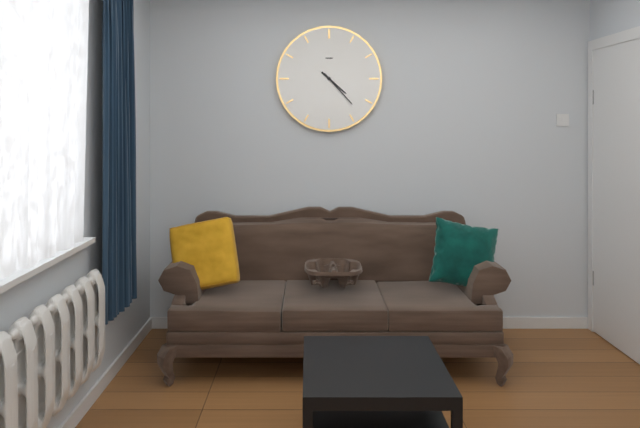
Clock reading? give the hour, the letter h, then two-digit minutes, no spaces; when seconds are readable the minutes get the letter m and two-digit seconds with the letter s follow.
4h23
